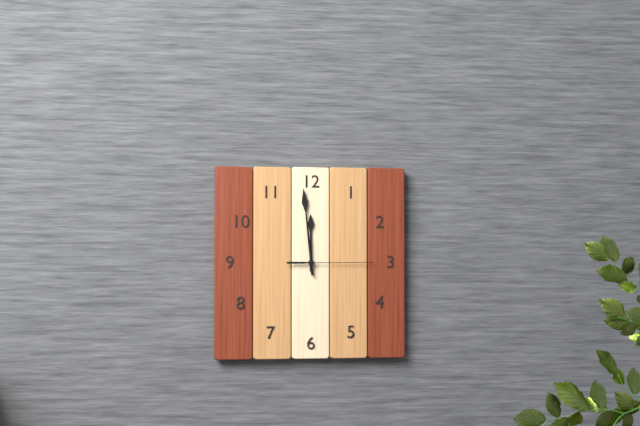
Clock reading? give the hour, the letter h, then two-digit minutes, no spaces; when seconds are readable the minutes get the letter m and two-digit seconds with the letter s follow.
11h59m15s
